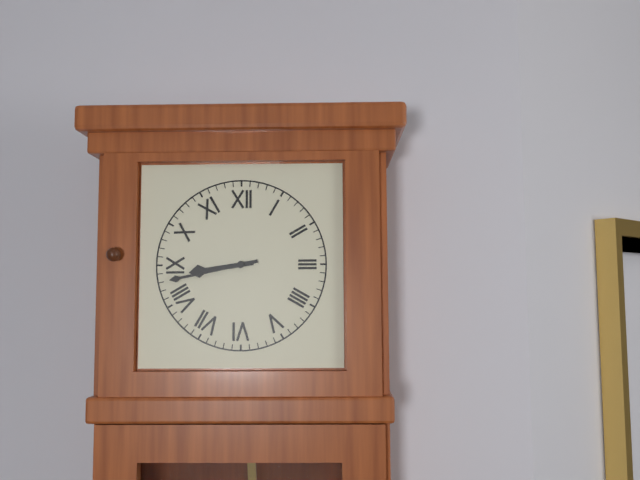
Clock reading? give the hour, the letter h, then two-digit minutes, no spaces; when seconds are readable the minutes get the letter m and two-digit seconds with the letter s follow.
8h43
